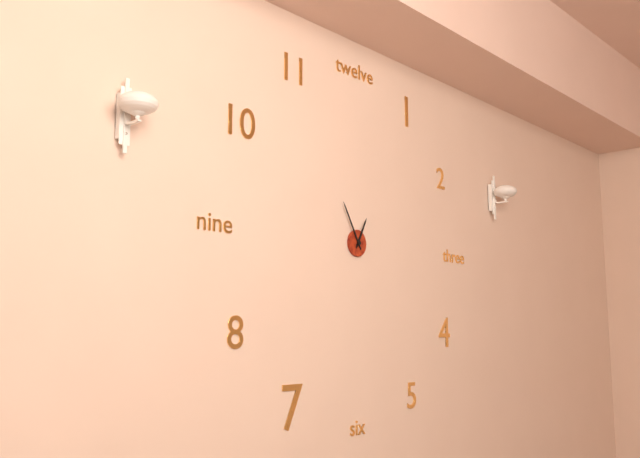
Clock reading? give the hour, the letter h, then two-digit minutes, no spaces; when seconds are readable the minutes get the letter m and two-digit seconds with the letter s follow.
12h55
